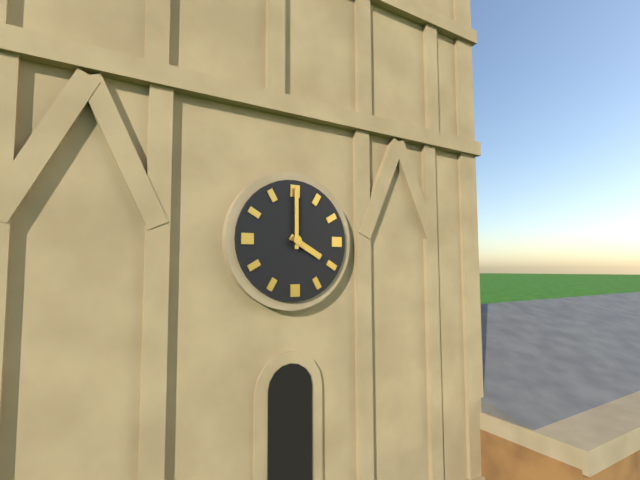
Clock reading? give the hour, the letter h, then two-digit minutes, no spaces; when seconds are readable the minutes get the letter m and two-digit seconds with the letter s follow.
4h00
